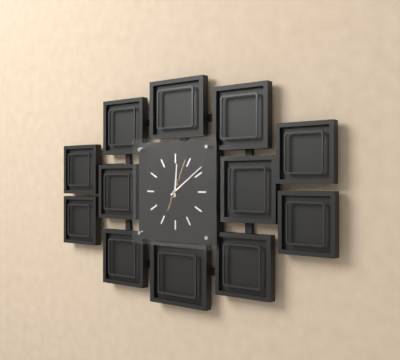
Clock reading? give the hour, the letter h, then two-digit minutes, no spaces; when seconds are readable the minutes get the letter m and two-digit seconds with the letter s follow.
12h09
